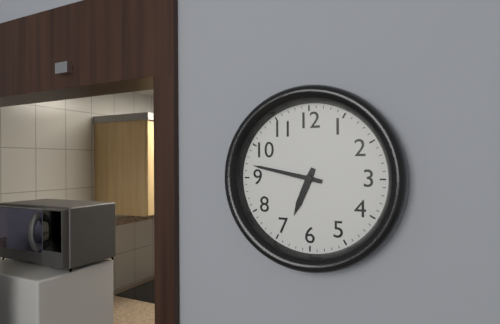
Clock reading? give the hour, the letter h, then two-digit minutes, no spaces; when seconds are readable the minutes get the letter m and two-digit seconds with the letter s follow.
6h47
